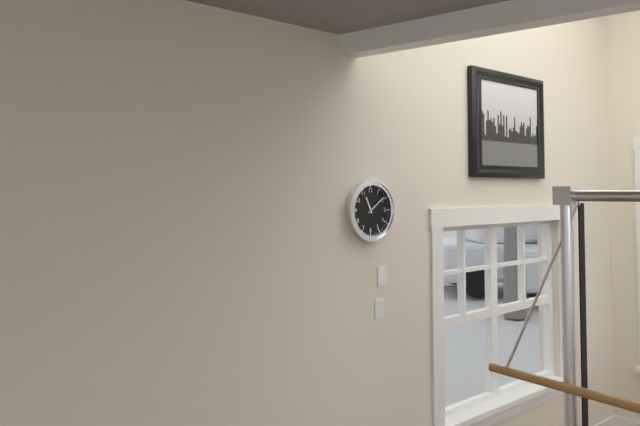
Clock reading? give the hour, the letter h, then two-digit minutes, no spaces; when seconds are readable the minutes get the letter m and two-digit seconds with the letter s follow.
11h09
